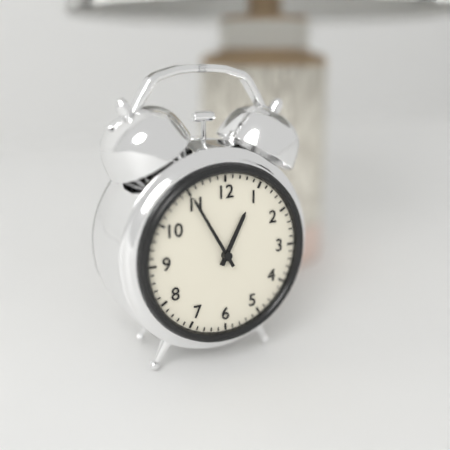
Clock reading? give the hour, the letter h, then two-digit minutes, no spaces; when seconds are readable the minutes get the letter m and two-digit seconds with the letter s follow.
12h55
